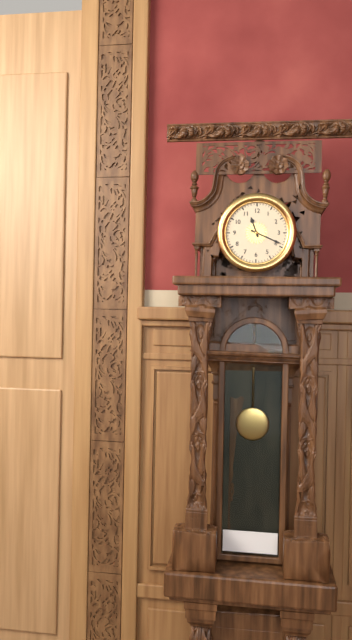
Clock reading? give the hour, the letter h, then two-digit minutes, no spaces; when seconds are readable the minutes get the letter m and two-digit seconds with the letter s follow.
11h19
